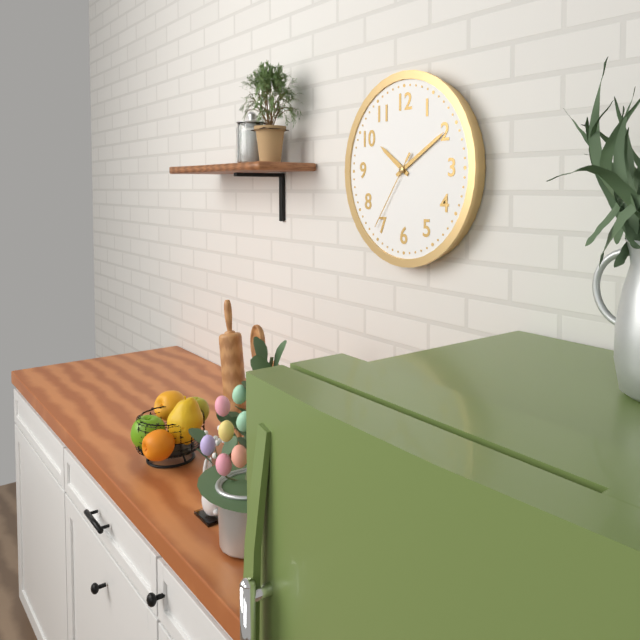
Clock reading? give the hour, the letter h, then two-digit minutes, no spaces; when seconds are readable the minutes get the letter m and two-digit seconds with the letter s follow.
10h10m36s
